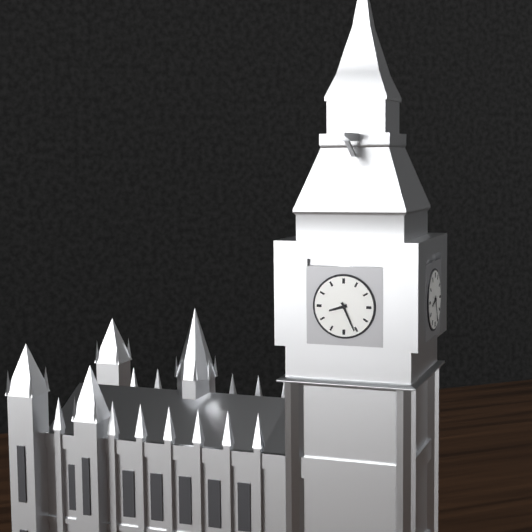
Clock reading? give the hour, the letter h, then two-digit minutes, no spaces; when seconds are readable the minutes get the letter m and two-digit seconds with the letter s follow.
8h26
